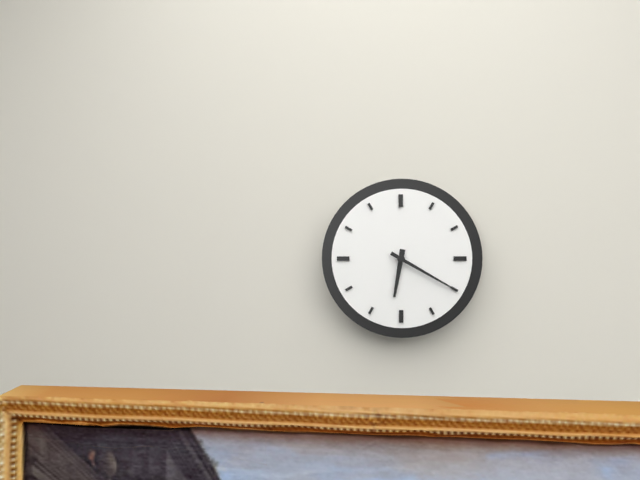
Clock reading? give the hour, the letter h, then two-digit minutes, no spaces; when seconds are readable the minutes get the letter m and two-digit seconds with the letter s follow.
6h20
